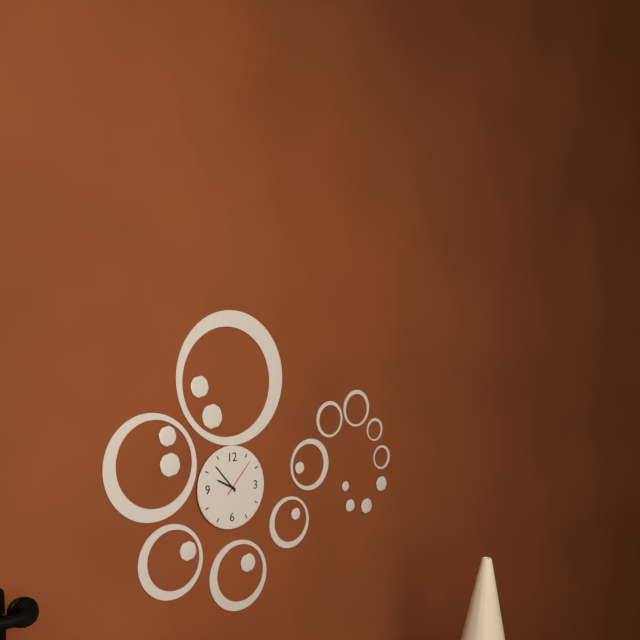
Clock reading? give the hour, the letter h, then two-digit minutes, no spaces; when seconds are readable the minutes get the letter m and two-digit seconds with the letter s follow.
9h53
